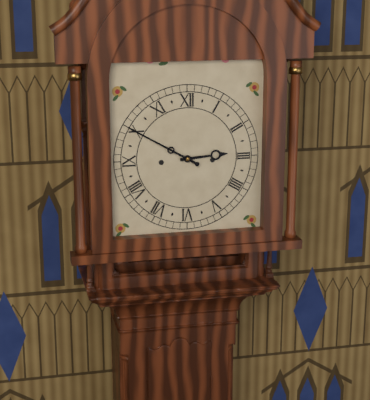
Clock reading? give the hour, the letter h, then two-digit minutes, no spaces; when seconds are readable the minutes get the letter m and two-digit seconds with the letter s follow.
2h50
